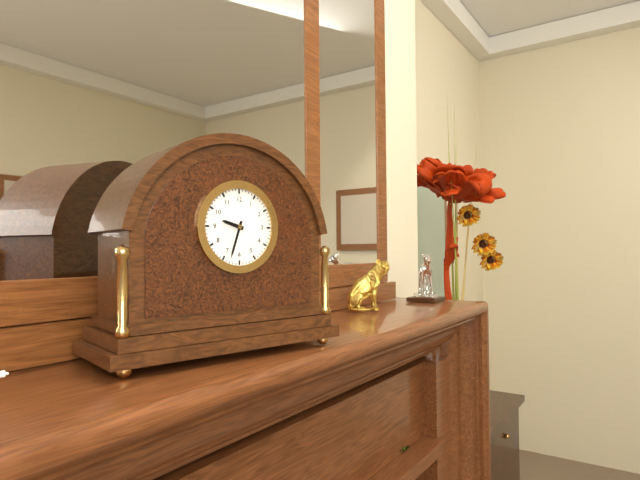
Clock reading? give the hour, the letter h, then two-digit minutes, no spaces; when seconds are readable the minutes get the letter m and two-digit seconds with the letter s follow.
9h33
